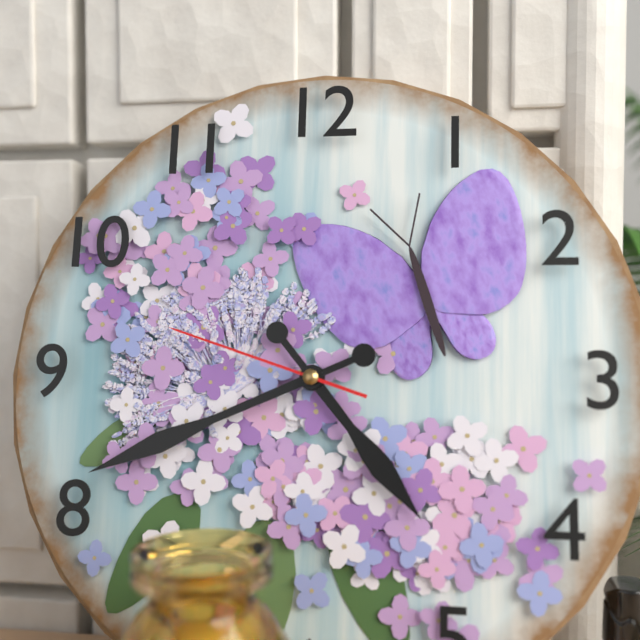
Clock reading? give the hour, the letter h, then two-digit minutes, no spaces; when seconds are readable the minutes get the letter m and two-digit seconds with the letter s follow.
4h41m48s
